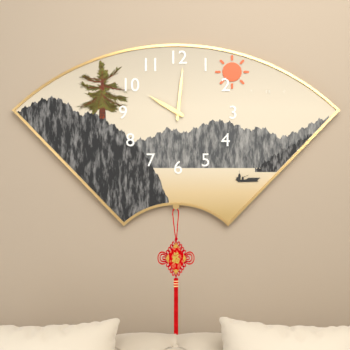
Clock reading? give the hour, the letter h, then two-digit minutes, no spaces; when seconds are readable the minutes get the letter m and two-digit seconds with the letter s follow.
10h01
